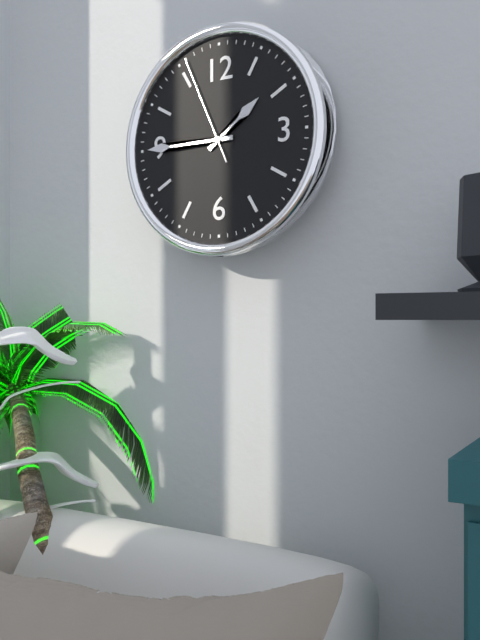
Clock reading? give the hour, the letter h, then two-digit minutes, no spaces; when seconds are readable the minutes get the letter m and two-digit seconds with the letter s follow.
1h45m56s
